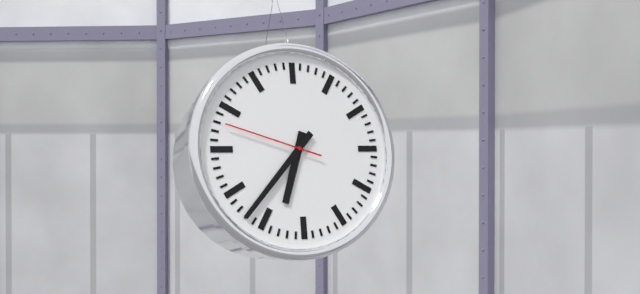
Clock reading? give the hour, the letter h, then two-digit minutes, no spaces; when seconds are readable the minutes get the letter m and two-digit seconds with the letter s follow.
6h37m48s
